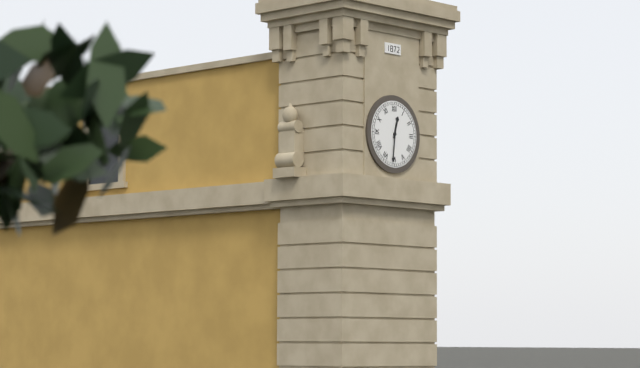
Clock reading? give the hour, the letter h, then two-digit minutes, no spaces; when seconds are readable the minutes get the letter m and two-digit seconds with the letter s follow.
12h31
